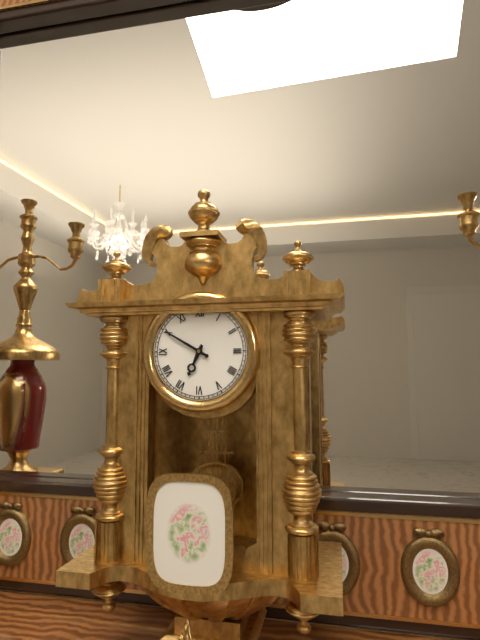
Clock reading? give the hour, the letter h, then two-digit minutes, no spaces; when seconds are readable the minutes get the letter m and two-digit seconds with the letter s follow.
6h50
